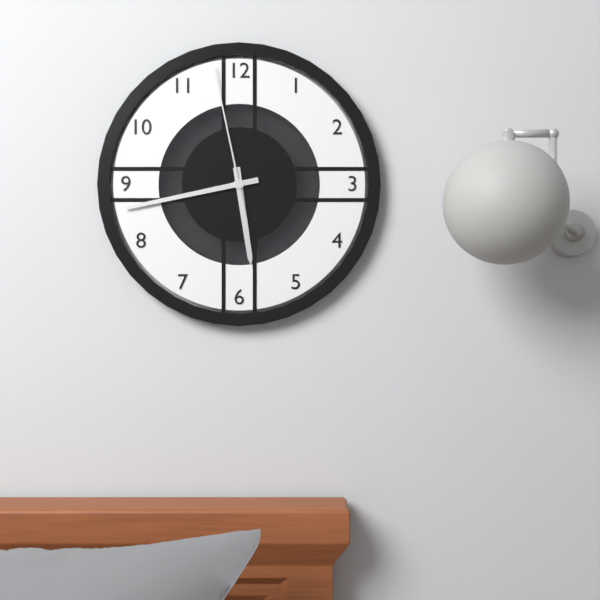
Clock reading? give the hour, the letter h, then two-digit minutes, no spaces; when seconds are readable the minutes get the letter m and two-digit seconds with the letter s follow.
5h43m58s
